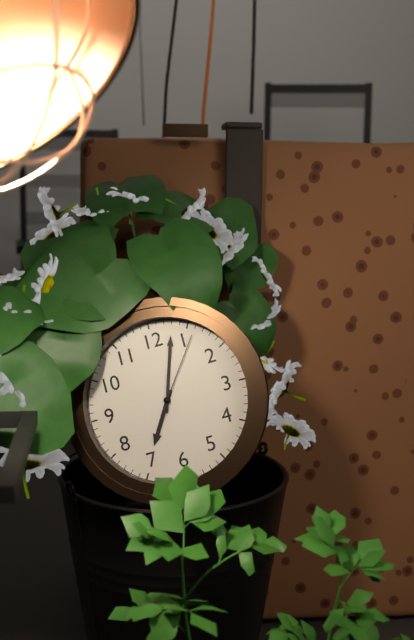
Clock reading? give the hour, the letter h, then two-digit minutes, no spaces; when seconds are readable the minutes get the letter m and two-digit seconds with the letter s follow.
7h03m06s
